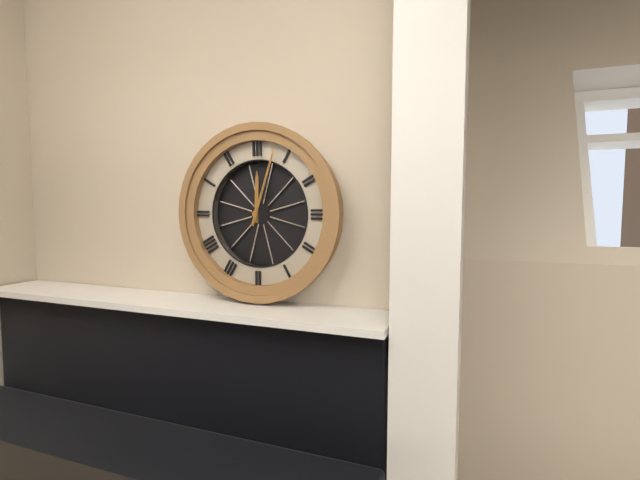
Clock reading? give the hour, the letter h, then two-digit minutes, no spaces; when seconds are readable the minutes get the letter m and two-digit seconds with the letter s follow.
12h03
